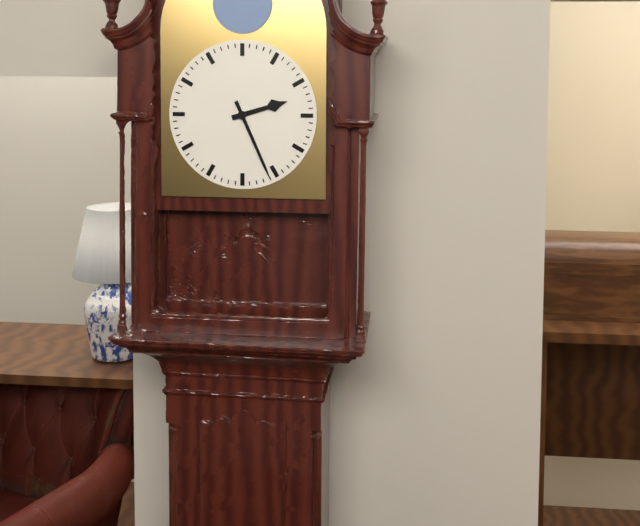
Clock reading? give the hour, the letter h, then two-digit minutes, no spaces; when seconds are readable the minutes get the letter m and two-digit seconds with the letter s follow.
2h26
